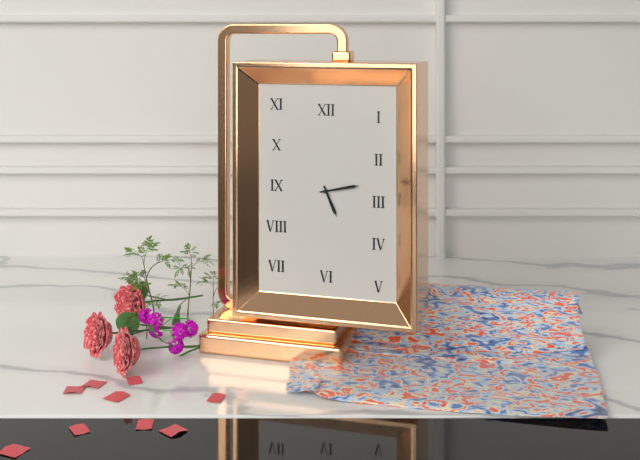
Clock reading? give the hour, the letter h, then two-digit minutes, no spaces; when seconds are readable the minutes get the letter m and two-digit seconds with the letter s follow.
5h13
